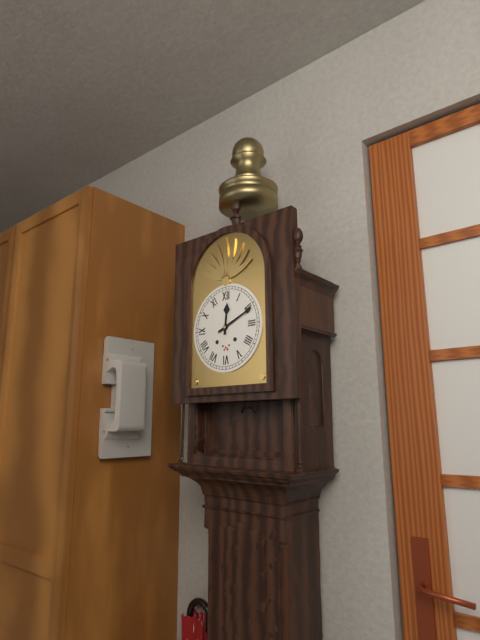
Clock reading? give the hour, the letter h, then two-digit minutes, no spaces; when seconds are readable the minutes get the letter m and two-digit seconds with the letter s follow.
12h11
